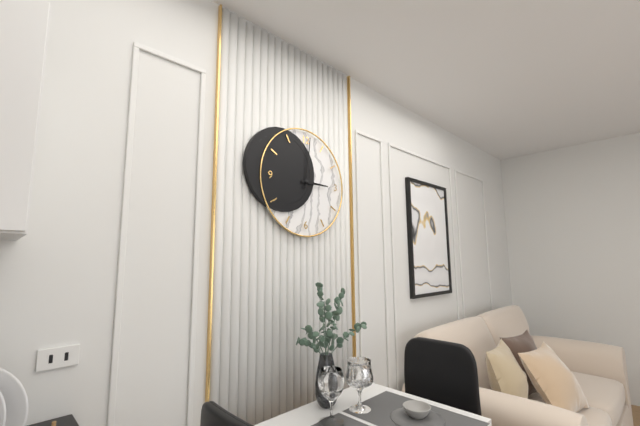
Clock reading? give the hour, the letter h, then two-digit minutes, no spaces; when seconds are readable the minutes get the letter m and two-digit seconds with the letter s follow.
3h01
